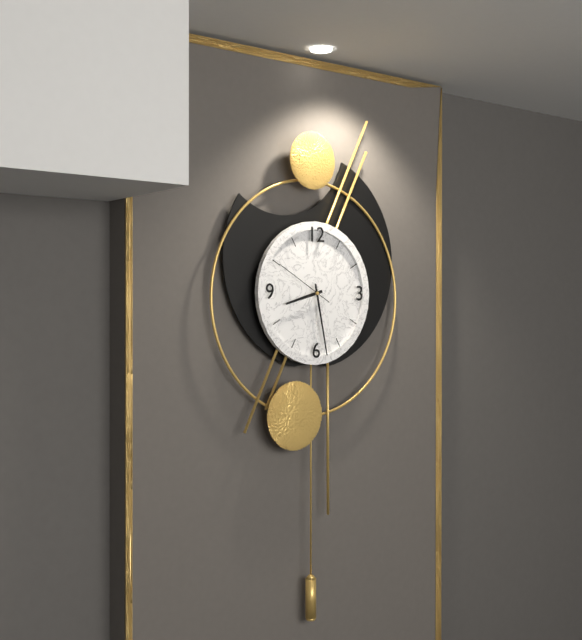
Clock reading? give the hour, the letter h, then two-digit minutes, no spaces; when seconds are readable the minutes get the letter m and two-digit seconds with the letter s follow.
8h28m50s
